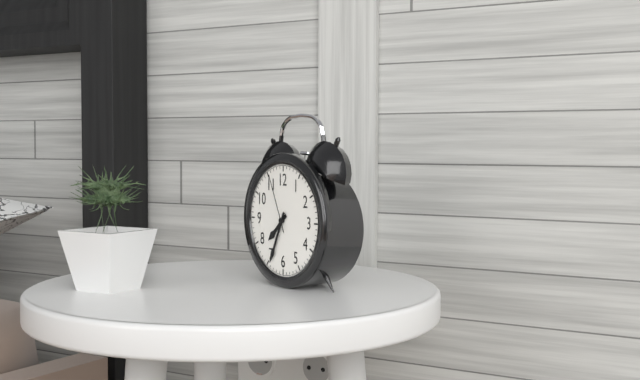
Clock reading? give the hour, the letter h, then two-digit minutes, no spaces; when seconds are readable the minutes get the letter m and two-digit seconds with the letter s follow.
7h34m56s
